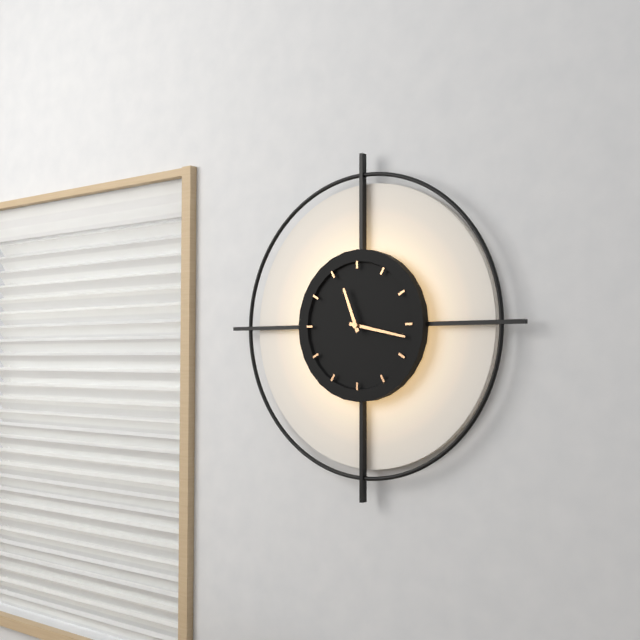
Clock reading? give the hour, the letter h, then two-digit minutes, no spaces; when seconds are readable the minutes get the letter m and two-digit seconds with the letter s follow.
11h17
